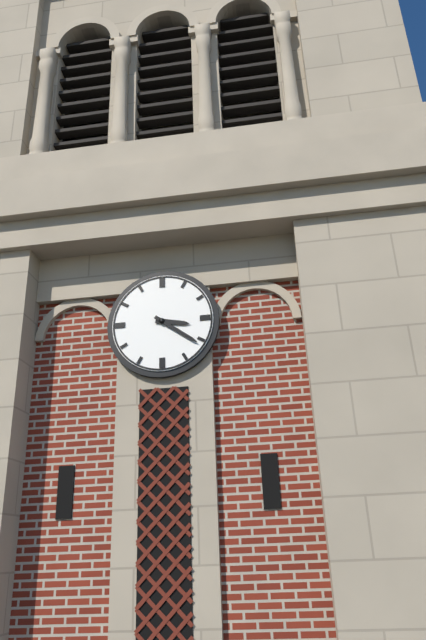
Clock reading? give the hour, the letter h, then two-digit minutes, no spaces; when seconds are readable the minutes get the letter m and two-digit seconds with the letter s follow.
3h21
